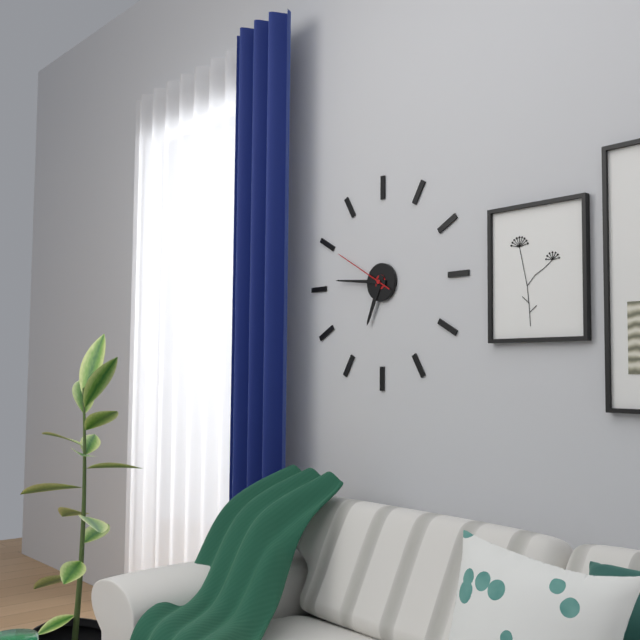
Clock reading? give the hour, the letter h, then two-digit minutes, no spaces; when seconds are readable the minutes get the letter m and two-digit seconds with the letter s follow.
6h46m50s
